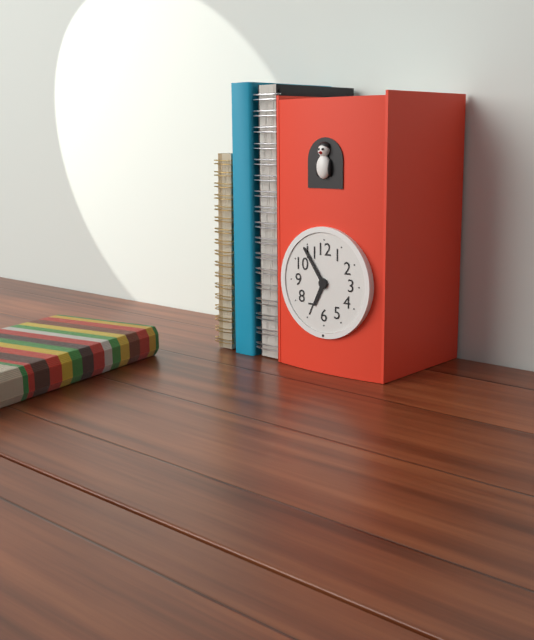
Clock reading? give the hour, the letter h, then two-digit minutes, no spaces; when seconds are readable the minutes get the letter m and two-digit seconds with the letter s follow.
6h54
